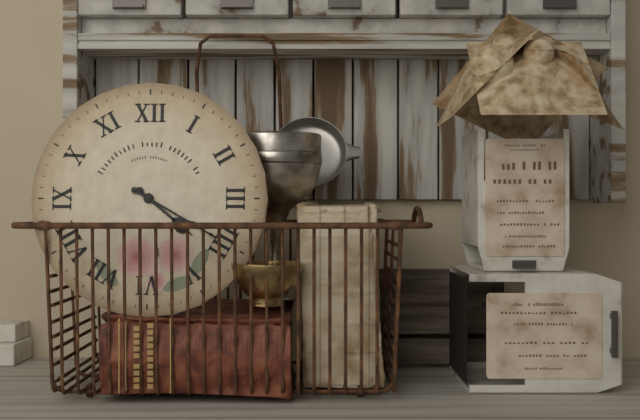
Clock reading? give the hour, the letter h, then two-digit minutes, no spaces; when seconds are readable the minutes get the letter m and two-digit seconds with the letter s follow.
4h20
